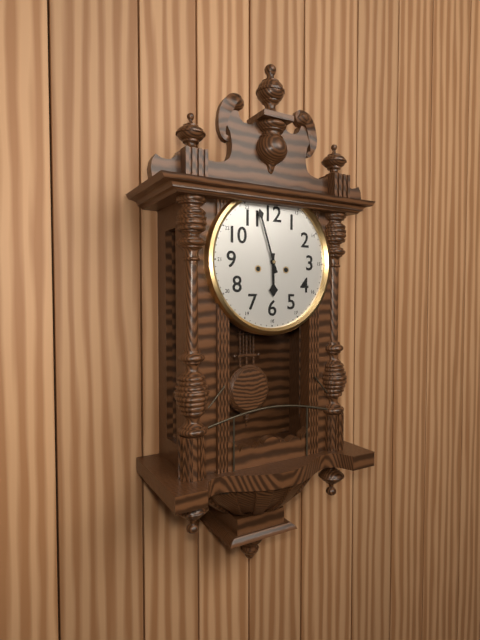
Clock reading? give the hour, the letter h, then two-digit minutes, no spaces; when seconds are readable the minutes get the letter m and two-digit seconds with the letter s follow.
5h57
